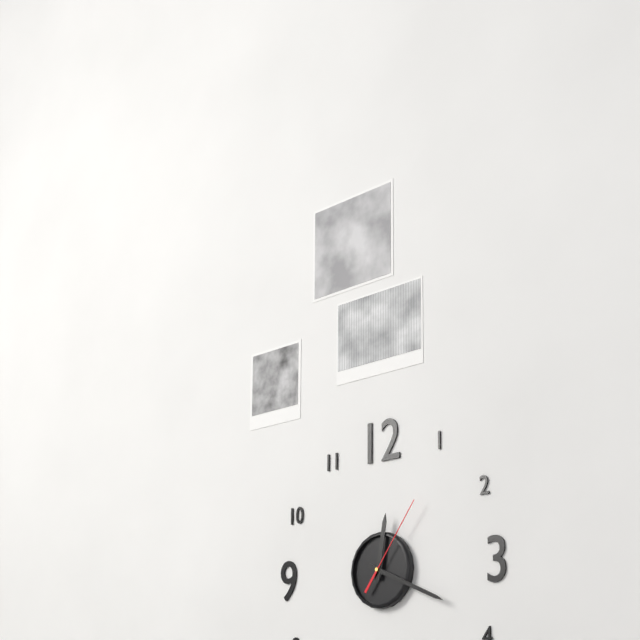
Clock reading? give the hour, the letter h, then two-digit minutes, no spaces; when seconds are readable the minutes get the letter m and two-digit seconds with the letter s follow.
12h19m06s
